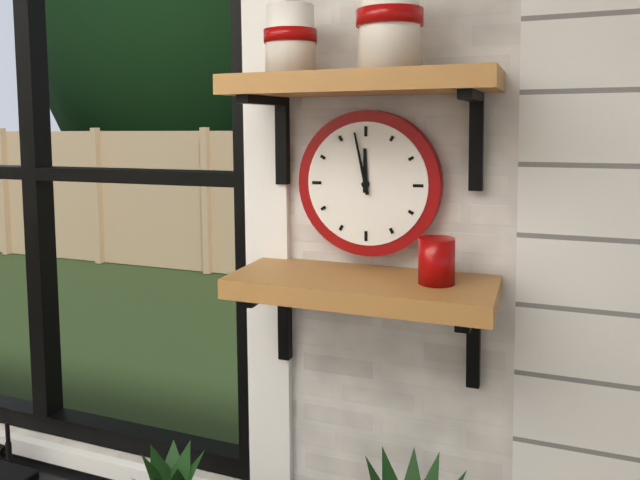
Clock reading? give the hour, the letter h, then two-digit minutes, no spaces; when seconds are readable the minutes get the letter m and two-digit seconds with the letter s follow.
11h58
